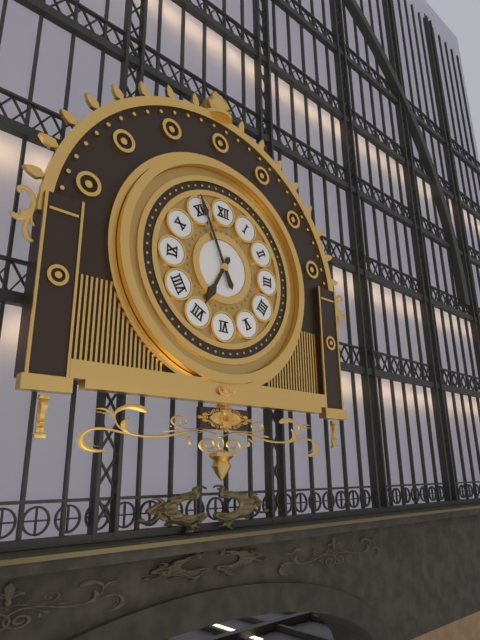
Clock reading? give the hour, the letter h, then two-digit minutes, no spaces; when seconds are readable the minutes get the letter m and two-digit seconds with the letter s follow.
6h56
